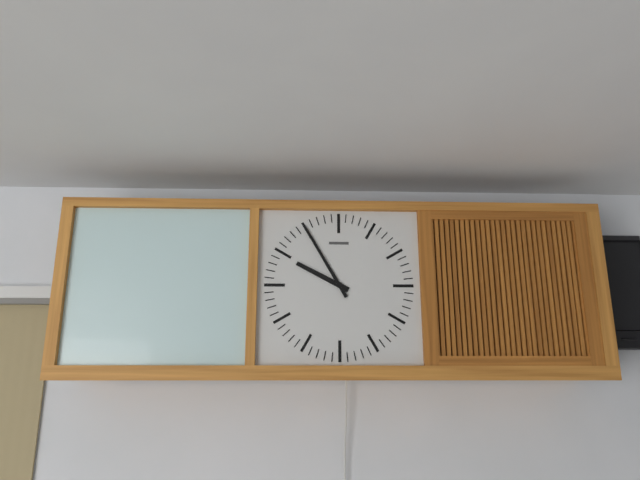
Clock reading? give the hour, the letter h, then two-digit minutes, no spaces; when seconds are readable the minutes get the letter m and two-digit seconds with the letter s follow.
9h55
